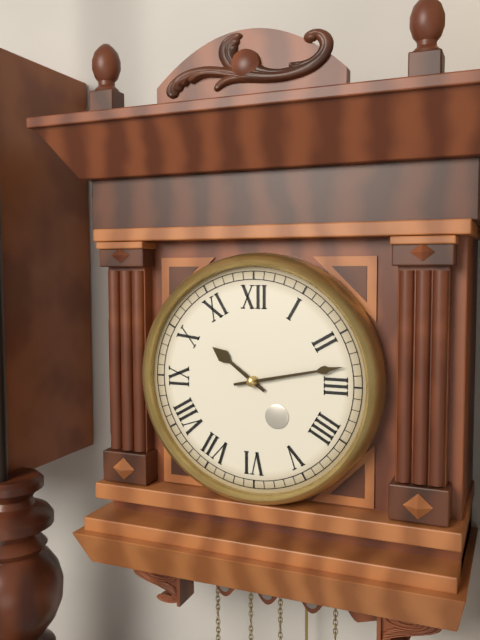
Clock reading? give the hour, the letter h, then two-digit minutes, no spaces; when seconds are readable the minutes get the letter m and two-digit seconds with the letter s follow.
10h13
